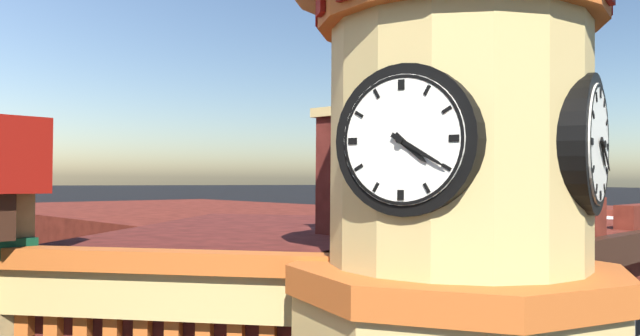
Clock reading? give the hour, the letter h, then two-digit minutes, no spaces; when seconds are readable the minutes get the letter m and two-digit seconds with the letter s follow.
4h20
